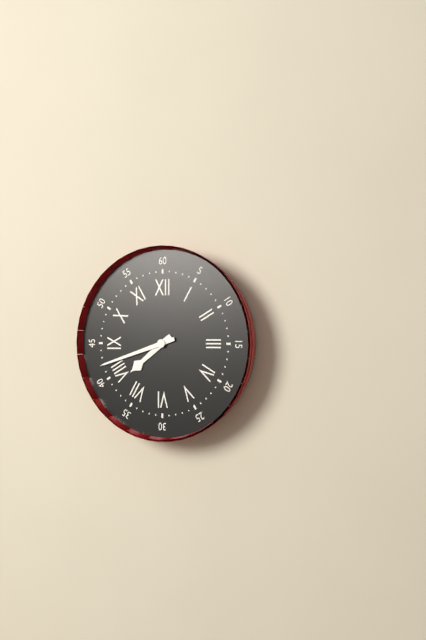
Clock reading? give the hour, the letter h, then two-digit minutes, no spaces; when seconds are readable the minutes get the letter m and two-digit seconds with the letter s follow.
7h42
